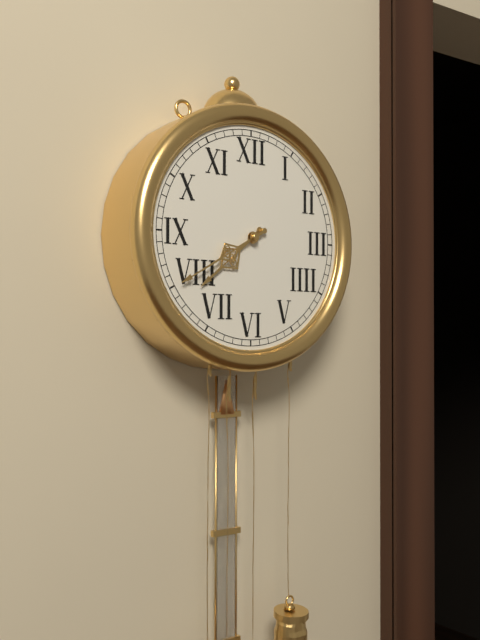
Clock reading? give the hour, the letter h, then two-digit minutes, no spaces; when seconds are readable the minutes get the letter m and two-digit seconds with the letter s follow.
7h40
